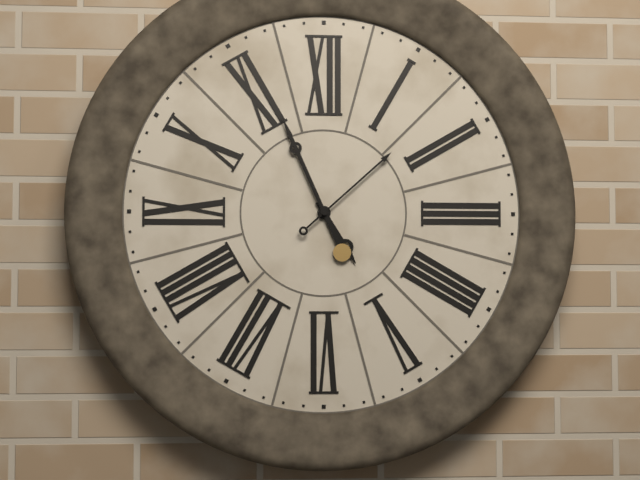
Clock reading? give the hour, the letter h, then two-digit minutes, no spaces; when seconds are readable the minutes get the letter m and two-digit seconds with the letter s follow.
4h56m08s
